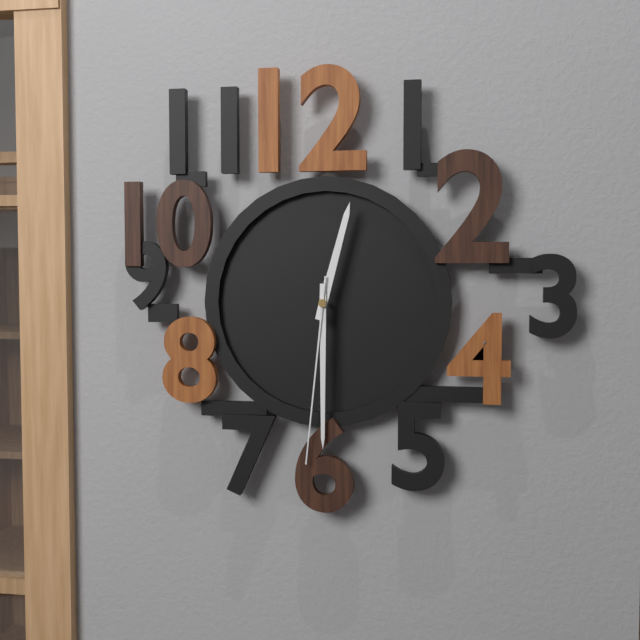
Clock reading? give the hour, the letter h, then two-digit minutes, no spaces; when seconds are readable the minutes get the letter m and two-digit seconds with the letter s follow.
12h30m31s
